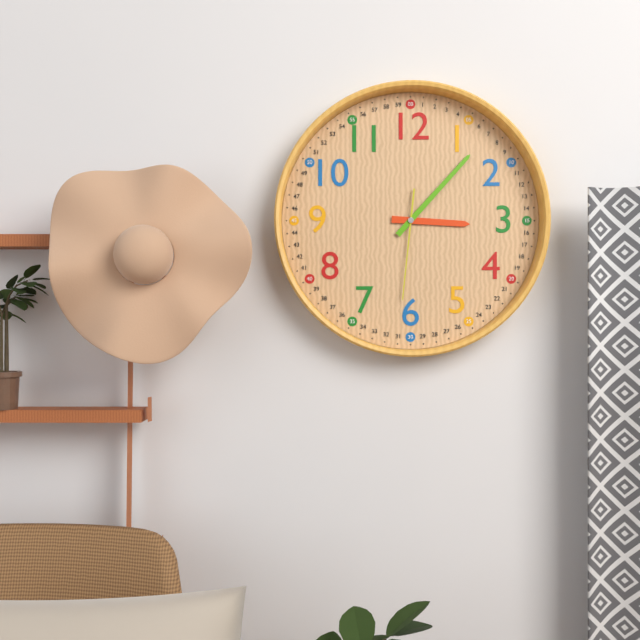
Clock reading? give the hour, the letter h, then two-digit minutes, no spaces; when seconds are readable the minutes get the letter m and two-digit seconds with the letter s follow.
3h07m31s
